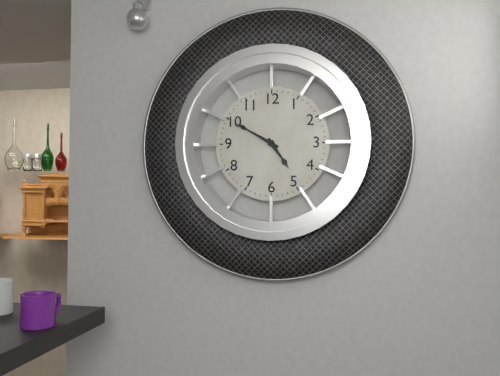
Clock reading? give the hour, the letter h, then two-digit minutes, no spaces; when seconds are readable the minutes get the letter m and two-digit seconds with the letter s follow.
4h50
